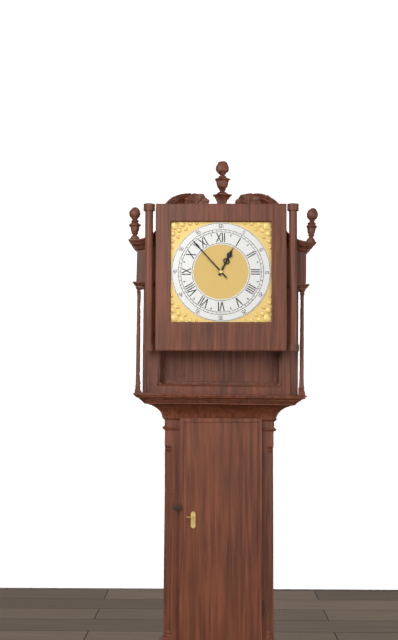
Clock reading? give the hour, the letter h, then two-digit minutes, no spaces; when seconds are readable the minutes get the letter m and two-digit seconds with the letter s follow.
12h53
